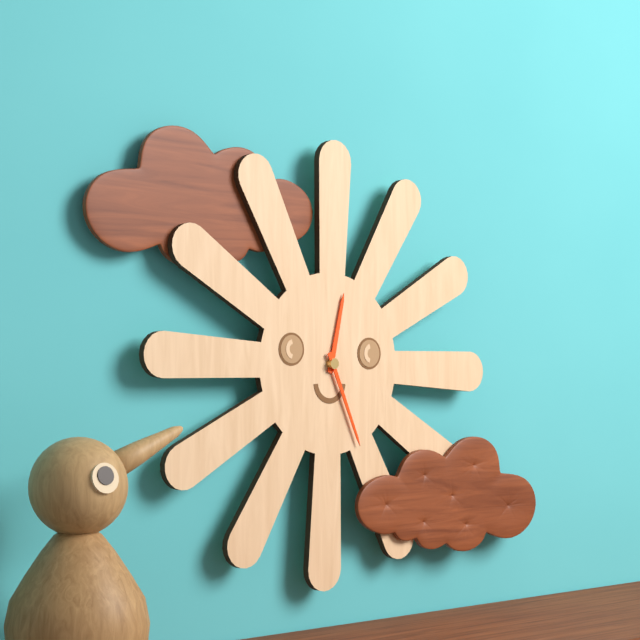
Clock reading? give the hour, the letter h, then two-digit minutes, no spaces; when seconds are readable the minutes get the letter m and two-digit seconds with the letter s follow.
12h26
